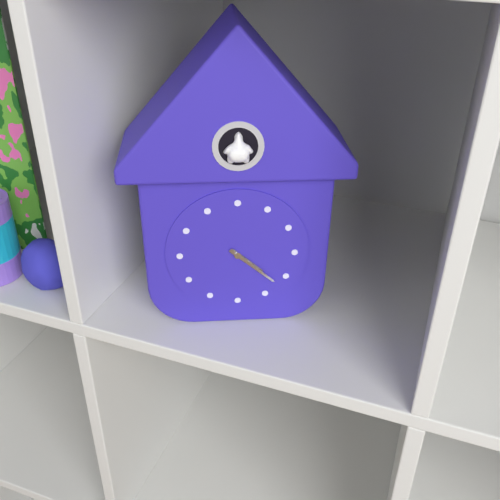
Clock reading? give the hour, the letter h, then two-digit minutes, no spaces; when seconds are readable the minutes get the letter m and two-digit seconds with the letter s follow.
4h22
